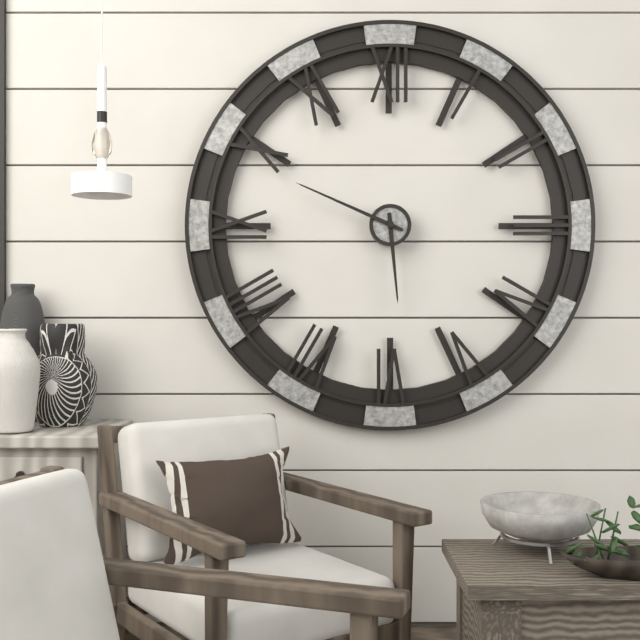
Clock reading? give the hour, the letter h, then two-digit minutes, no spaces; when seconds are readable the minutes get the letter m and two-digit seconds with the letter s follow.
5h49
